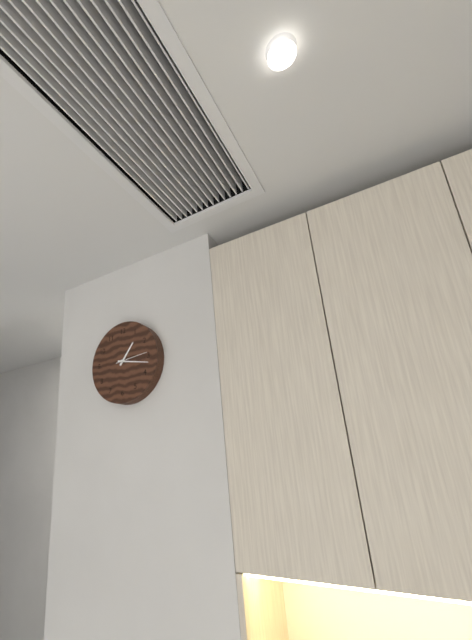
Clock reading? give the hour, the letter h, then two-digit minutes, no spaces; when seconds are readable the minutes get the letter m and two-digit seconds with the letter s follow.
1h17
